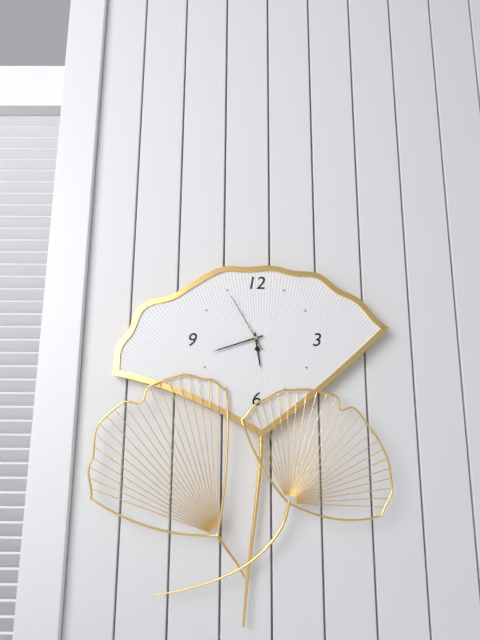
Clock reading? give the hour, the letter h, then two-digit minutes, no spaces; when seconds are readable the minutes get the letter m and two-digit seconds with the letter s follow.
5h42m55s
